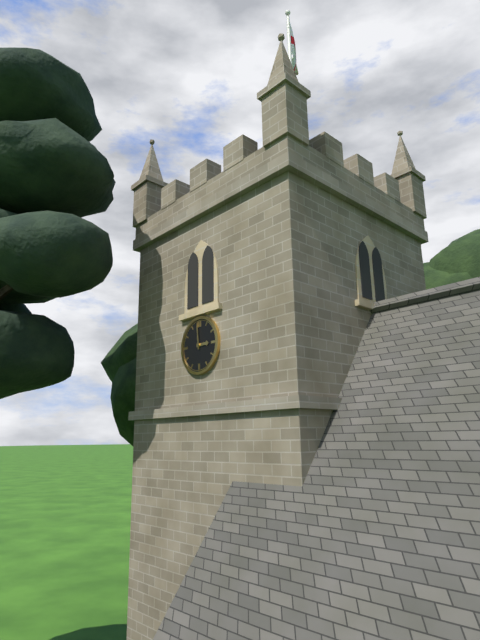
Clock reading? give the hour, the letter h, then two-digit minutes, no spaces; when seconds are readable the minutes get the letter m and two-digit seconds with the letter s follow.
2h59
